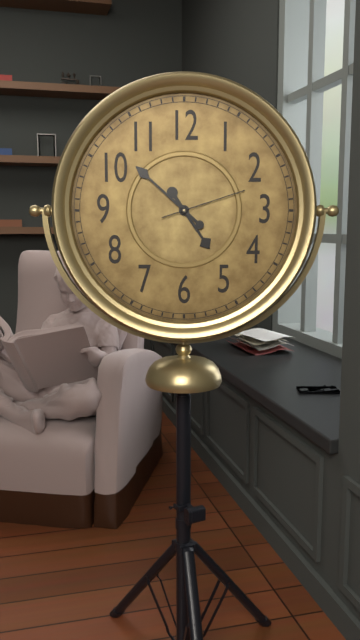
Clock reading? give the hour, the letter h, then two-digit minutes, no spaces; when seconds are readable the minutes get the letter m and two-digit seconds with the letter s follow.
4h52m12s
